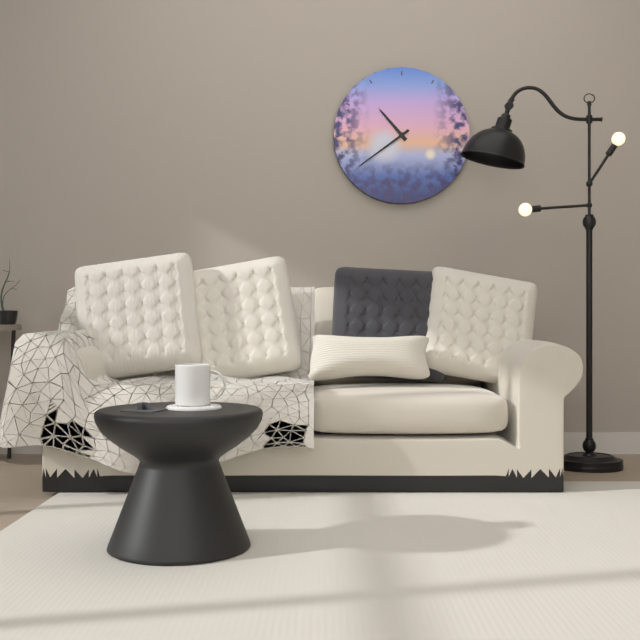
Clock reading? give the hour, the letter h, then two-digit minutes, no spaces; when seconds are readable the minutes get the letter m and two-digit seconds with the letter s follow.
10h39
